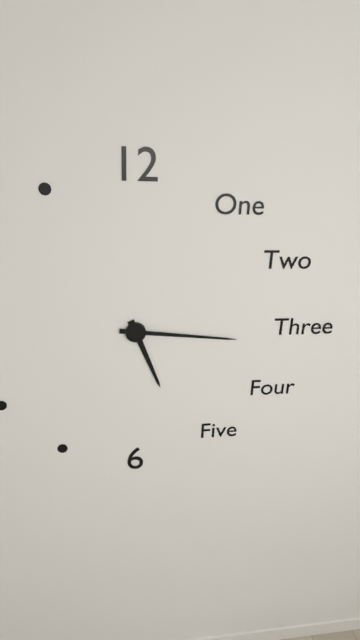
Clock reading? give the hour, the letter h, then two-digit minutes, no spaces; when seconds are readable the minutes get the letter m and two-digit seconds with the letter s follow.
5h16
